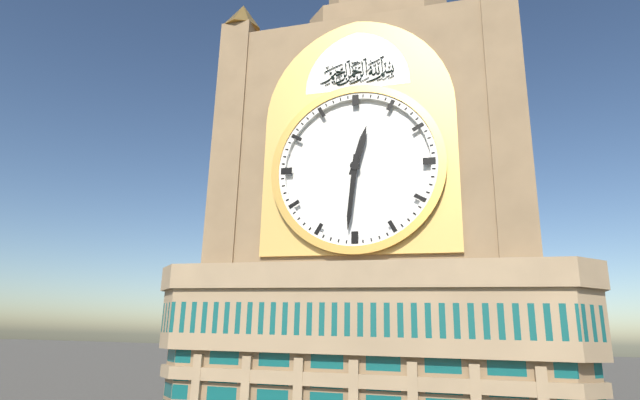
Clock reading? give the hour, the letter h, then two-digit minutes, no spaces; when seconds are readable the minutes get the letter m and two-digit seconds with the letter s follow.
12h31
